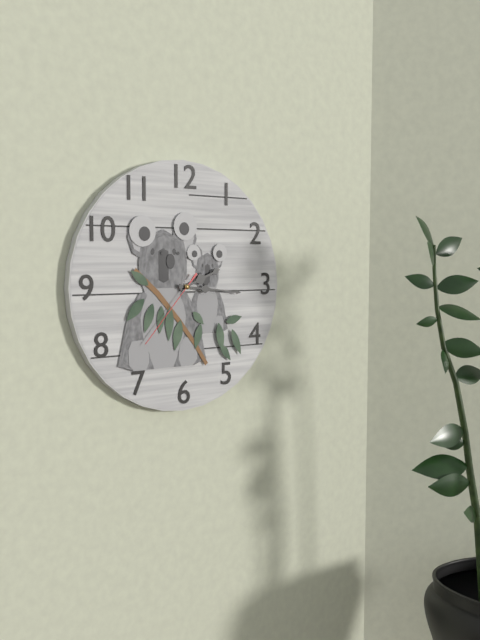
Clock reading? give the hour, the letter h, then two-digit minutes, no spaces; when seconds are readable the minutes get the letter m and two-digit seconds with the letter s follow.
2h16m37s
